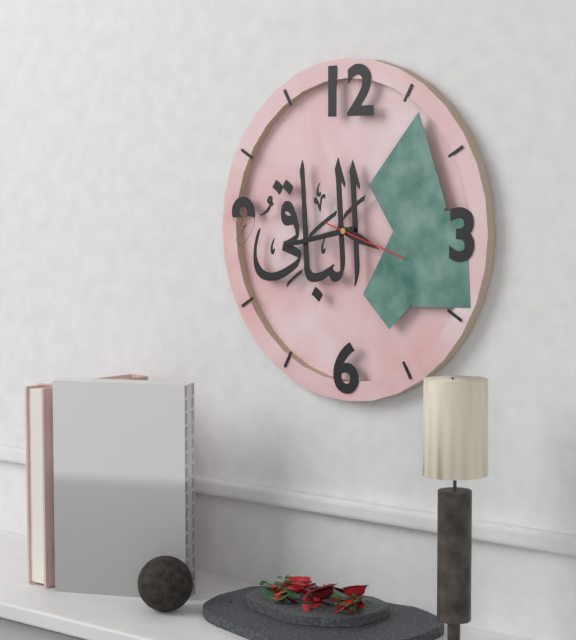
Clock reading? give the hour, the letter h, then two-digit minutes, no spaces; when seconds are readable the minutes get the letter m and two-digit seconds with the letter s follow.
3h43m18s
